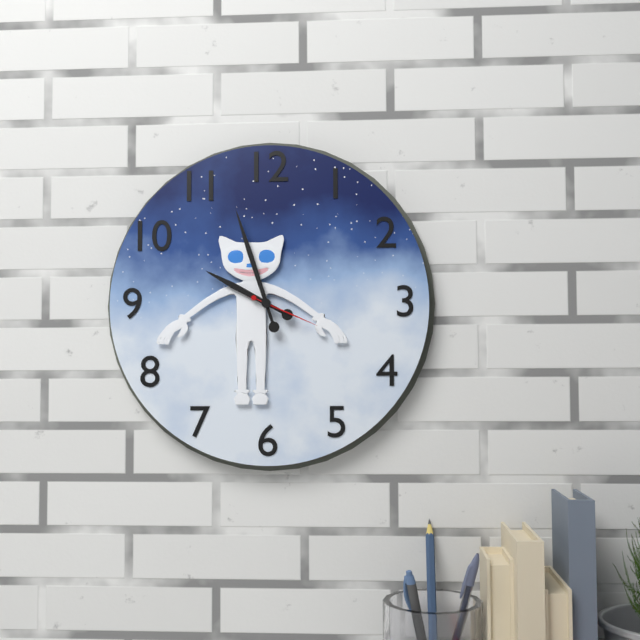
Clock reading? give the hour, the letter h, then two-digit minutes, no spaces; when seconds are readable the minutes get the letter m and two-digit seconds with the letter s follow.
9h57m19s
